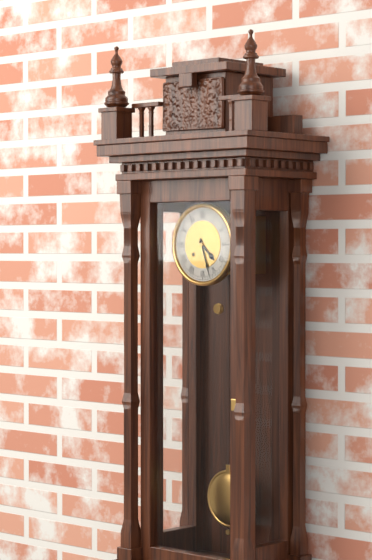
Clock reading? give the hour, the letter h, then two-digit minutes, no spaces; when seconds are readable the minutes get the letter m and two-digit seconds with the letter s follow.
4h27
